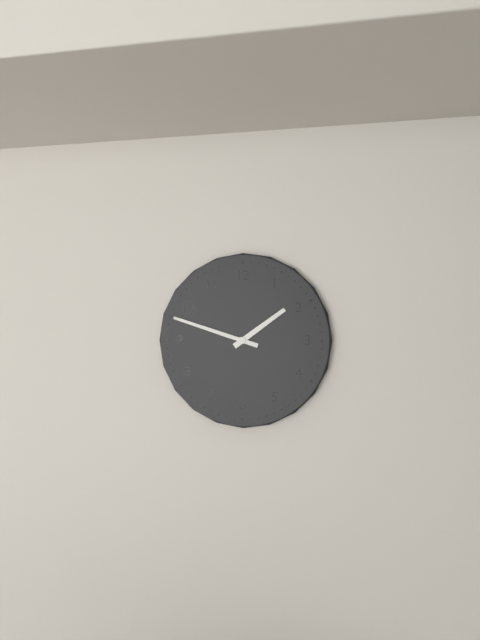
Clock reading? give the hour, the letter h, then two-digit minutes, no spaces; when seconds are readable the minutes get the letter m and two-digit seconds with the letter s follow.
1h48
